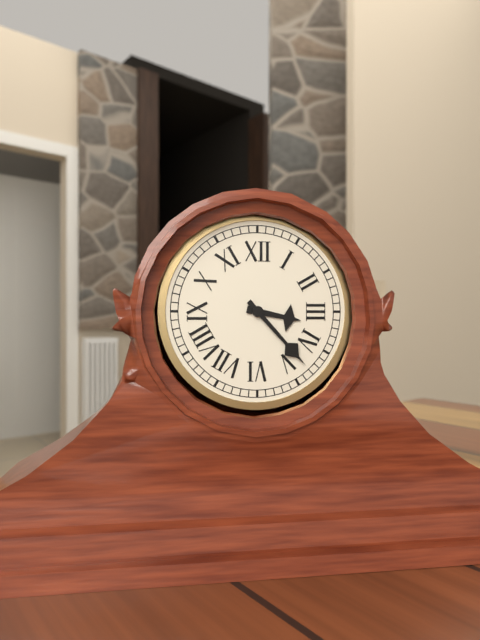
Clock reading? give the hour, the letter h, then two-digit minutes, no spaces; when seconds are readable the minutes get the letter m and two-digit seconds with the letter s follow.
3h23
